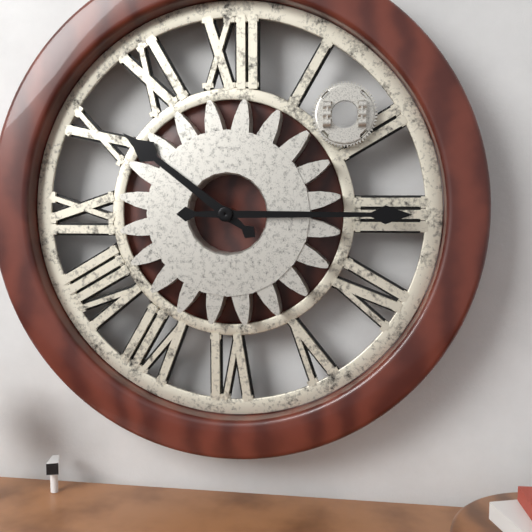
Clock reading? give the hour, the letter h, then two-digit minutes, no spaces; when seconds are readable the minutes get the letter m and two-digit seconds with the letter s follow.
10h15
